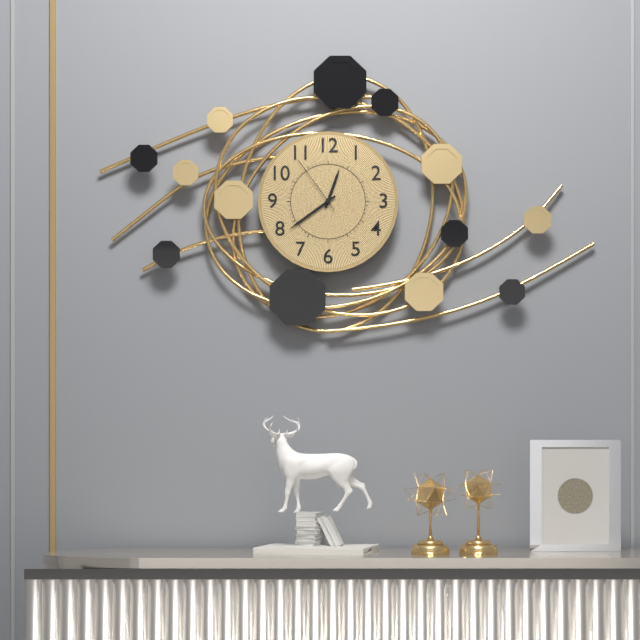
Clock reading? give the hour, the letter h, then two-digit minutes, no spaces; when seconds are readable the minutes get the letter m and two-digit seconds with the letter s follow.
12h39m54s
